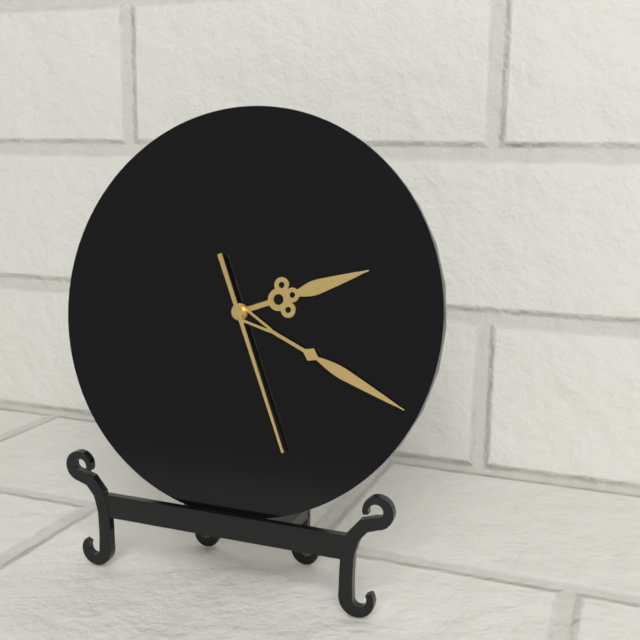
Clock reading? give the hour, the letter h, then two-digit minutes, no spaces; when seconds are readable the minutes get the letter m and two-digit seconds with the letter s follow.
2h19m26s
